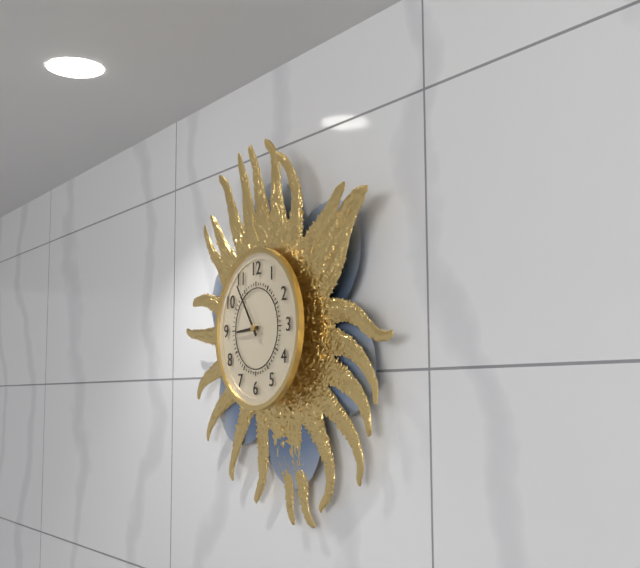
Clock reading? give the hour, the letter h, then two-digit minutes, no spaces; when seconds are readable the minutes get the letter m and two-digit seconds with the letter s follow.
8h54
